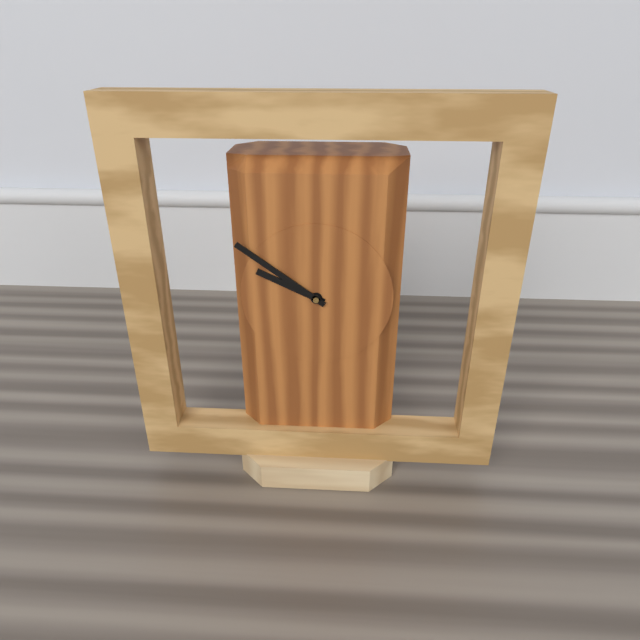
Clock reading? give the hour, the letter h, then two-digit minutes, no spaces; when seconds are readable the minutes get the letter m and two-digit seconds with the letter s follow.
9h51
